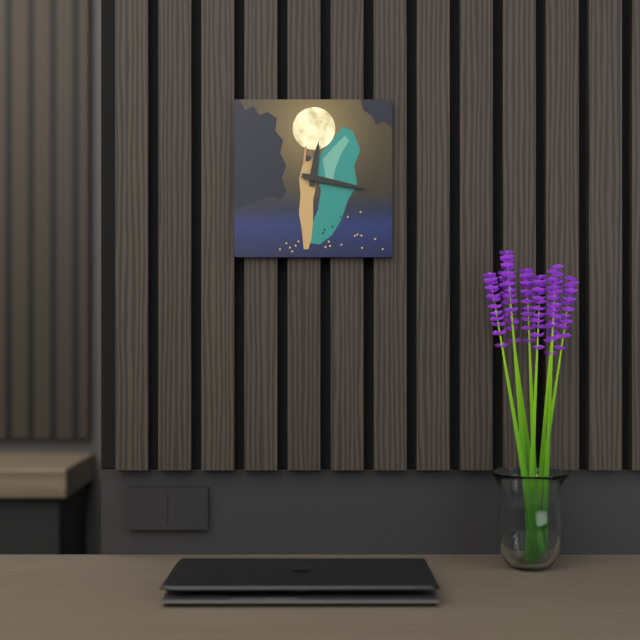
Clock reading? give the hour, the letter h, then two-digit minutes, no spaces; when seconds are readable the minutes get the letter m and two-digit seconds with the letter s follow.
12h17
